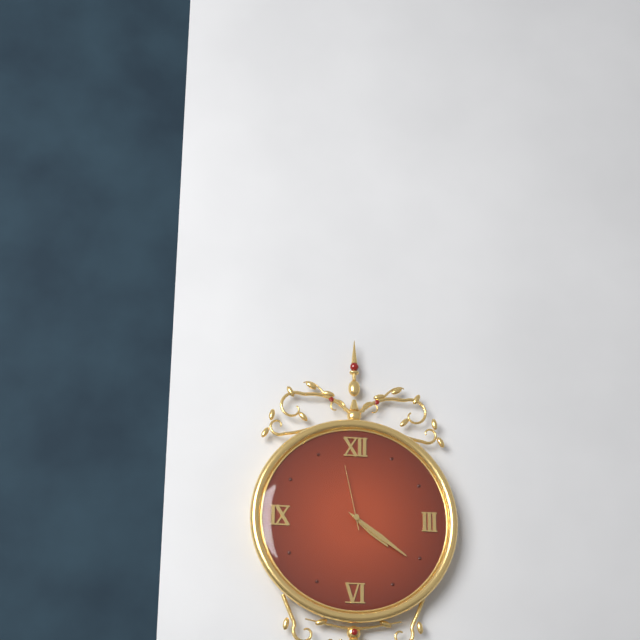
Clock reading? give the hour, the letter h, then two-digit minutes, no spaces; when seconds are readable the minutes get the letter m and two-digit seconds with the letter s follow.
4h21m58s
